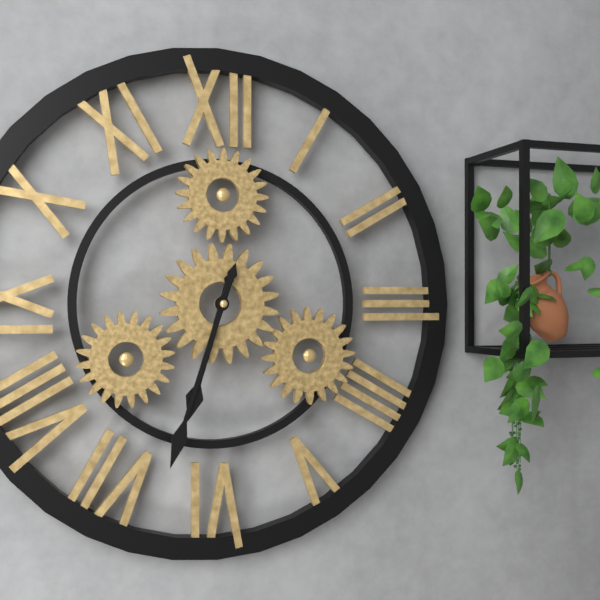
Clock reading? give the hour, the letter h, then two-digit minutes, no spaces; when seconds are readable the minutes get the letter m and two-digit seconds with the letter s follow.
6h33
